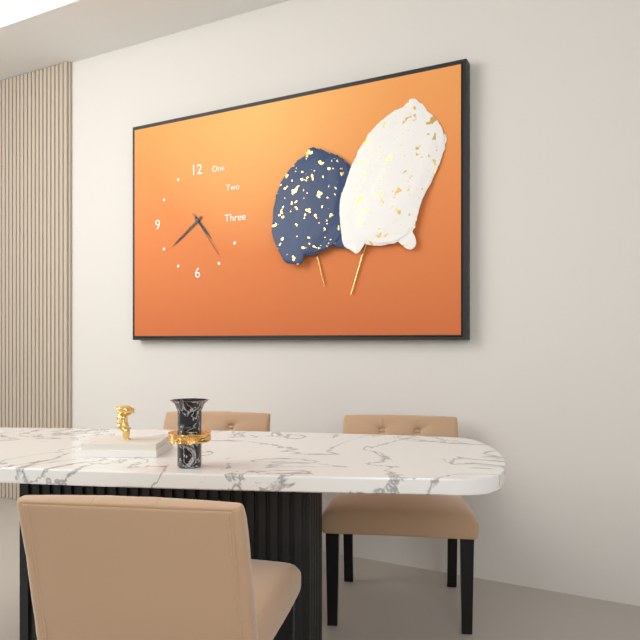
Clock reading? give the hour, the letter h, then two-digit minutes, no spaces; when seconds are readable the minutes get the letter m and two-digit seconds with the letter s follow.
4h39m24s
